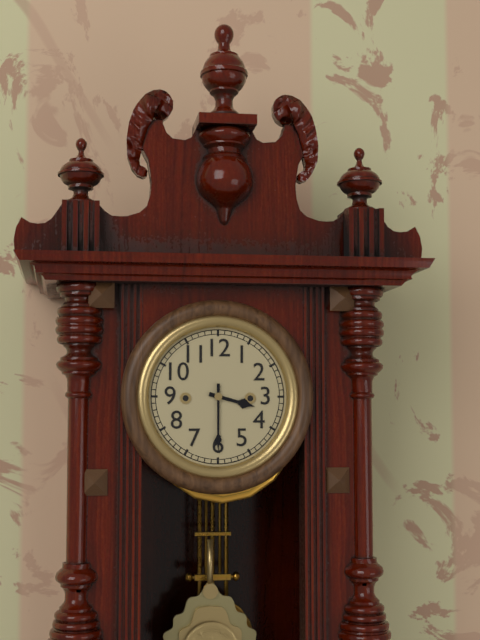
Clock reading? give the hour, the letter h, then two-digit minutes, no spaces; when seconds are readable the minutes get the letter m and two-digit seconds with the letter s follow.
3h30
